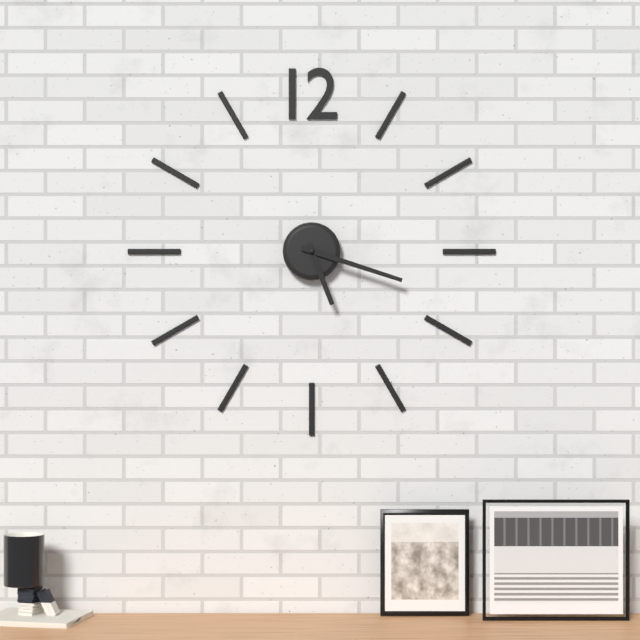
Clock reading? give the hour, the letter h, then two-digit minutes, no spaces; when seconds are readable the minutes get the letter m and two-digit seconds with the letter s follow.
5h18
